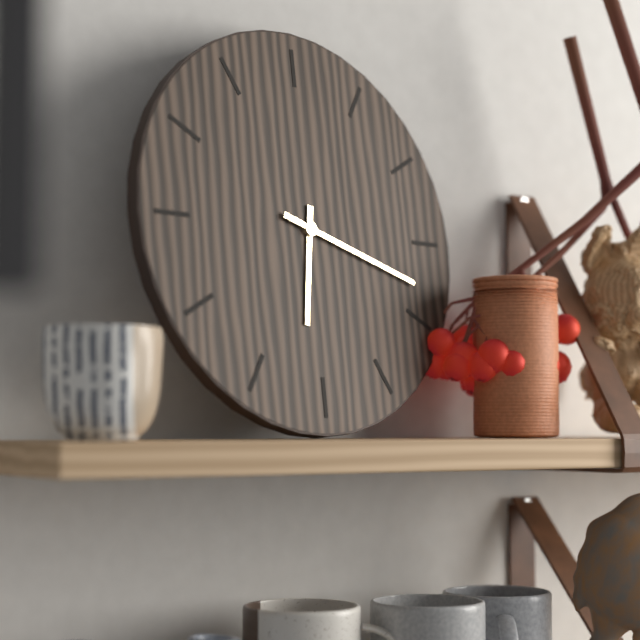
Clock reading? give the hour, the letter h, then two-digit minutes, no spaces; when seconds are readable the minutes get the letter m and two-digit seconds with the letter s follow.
6h18
